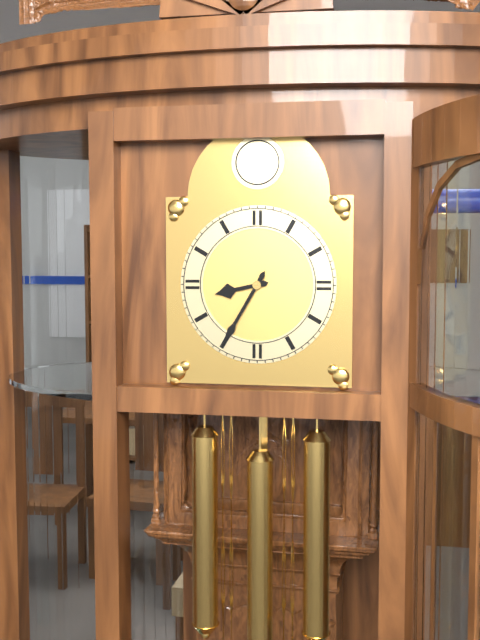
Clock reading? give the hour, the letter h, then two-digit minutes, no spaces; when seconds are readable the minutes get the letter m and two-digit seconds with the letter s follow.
8h35
